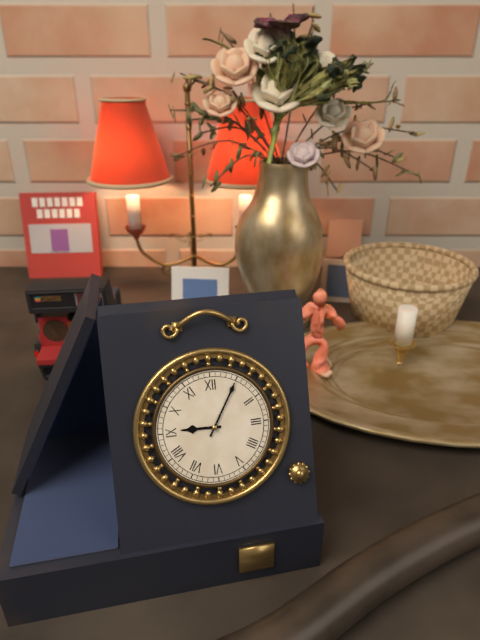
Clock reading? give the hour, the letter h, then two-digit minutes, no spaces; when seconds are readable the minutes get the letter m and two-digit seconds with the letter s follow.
9h05
